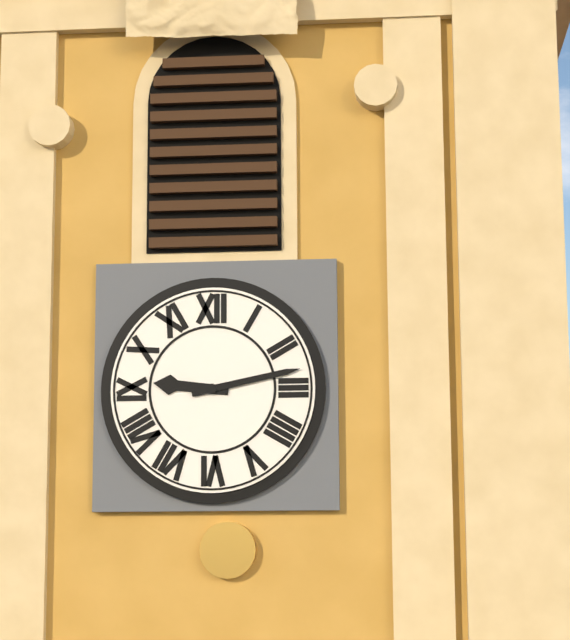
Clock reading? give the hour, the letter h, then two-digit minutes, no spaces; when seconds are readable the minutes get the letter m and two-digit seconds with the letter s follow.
9h13
